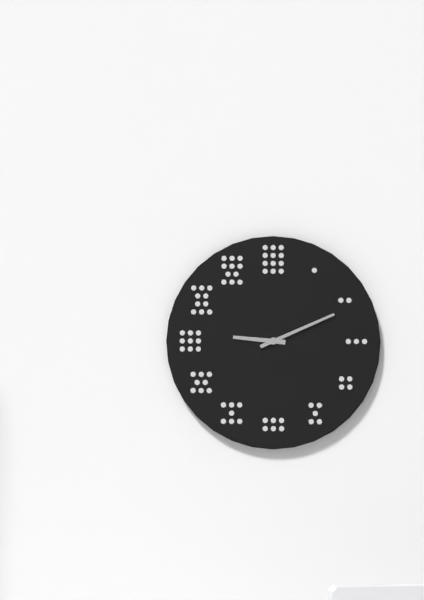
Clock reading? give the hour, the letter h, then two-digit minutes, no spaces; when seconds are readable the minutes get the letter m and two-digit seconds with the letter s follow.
9h11
